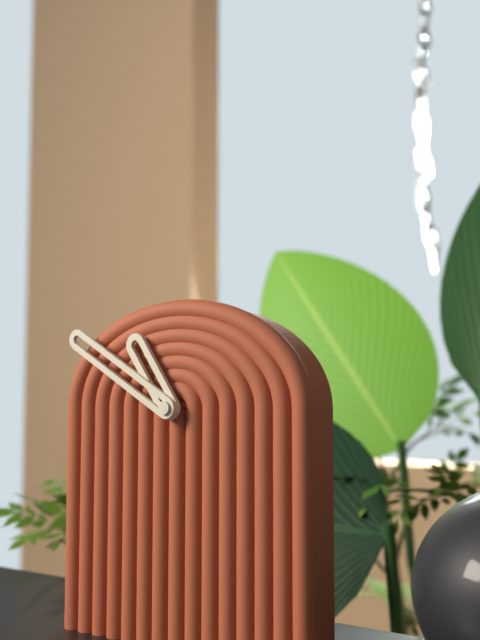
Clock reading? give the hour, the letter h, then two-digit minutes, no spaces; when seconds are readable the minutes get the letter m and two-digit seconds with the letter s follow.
10h50
